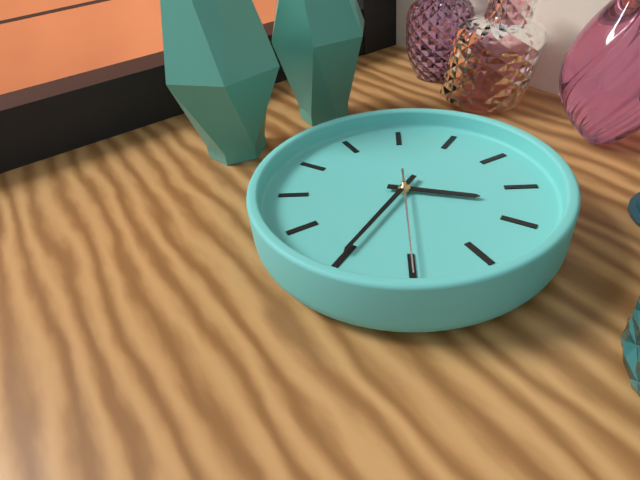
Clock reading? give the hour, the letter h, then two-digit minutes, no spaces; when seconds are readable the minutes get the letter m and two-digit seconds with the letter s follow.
2h30m25s
